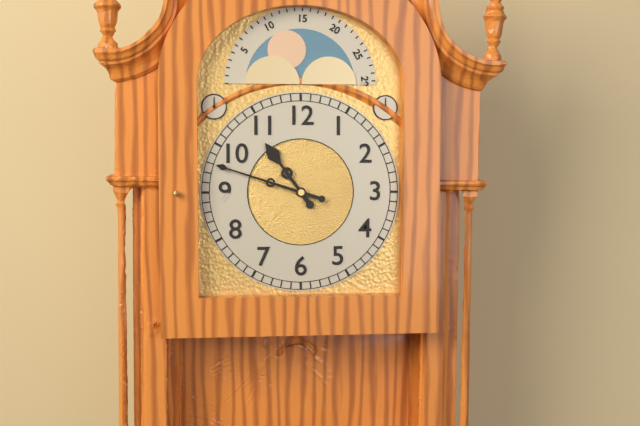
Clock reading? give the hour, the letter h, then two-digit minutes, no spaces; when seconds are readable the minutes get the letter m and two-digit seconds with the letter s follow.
10h48
